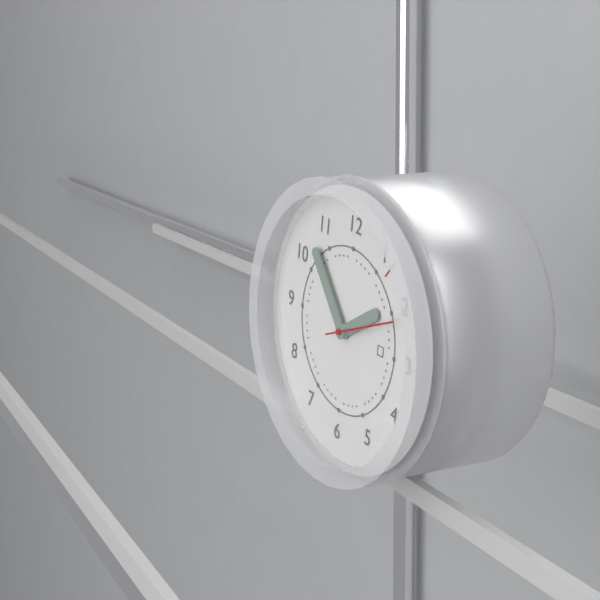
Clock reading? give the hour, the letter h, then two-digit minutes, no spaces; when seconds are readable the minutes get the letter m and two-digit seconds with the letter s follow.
1h53m11s
